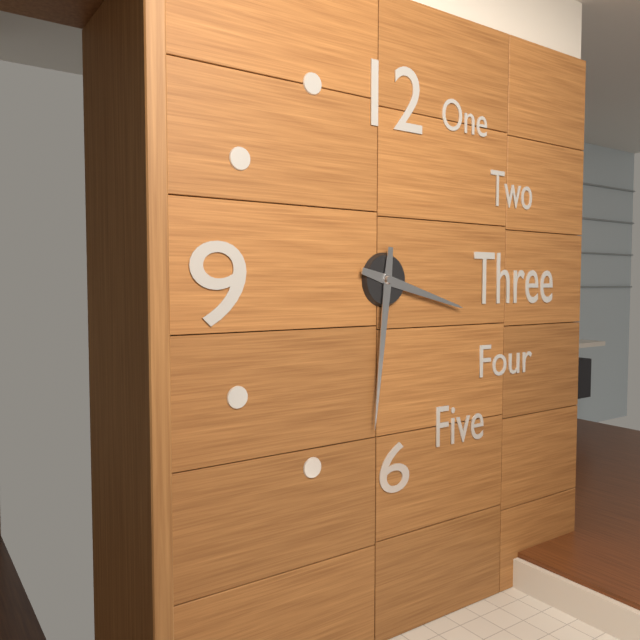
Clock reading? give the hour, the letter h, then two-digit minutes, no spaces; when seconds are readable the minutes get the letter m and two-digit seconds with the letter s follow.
3h31
